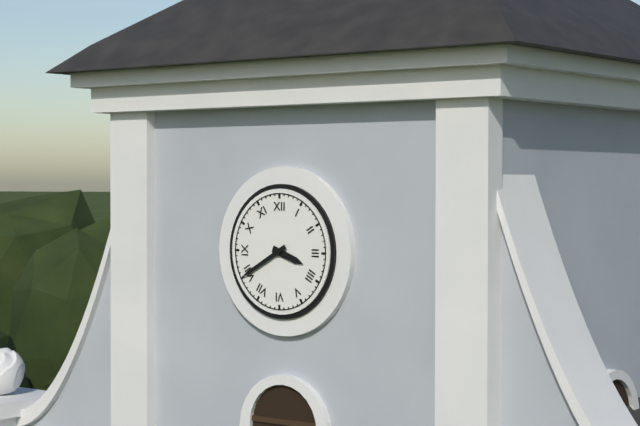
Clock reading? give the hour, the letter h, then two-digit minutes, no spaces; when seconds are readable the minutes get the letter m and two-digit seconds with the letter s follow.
3h40
